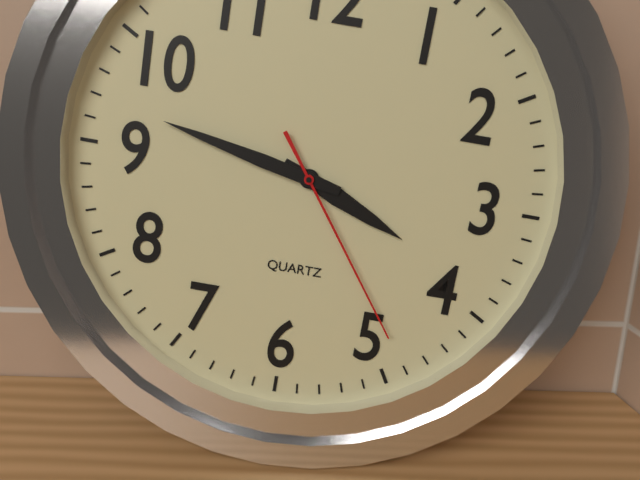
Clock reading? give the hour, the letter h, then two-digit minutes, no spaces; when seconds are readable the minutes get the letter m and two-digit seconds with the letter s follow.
3h47m24s
